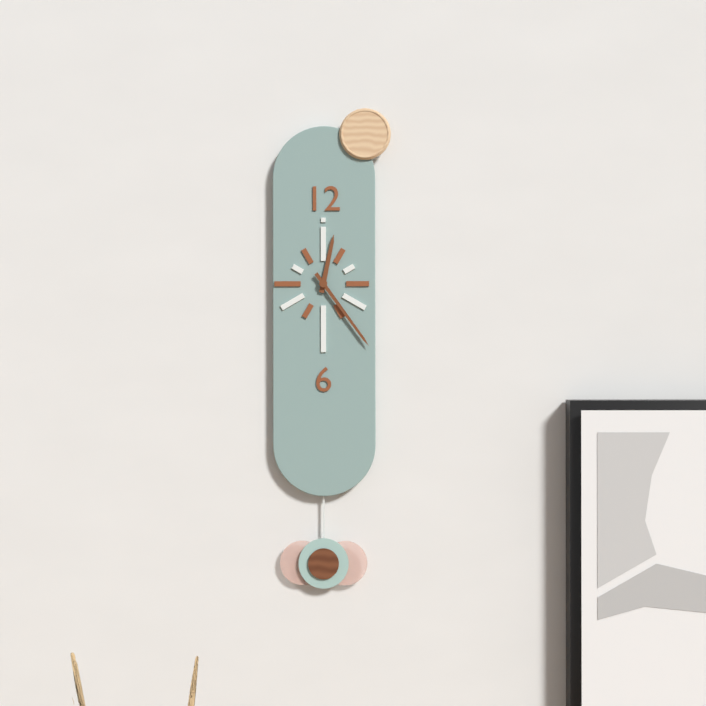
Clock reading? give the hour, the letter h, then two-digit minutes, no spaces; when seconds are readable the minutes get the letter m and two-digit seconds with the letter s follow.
12h24
